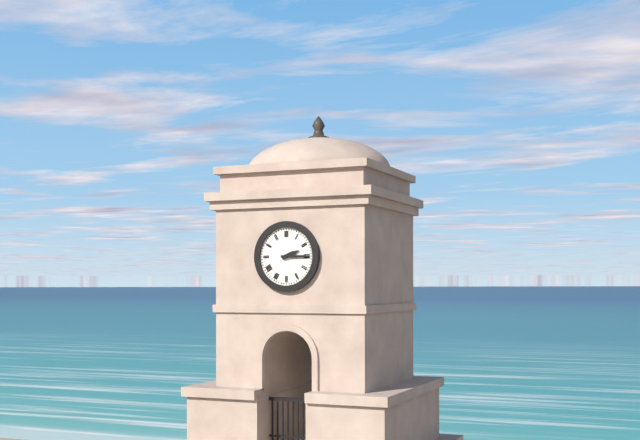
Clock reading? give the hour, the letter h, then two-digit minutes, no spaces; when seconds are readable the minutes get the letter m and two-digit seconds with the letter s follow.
2h15
